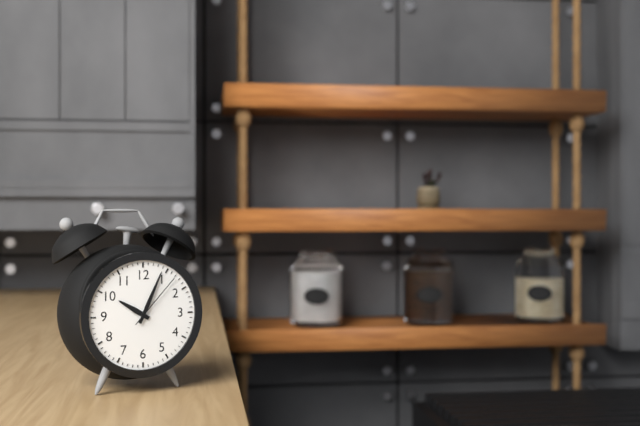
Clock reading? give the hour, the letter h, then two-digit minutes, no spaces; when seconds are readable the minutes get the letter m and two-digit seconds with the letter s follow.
10h04m07s
